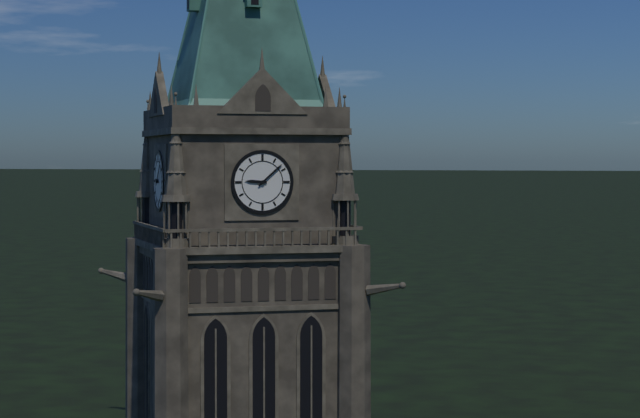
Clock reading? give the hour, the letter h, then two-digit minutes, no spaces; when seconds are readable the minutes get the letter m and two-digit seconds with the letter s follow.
9h08
